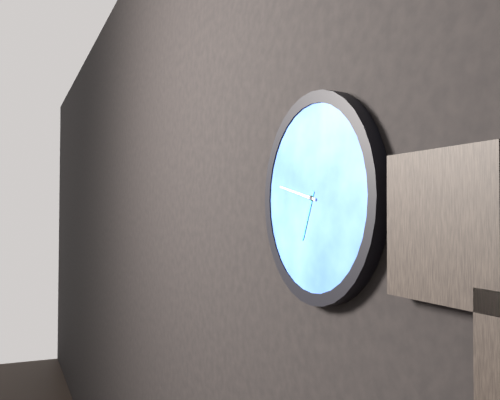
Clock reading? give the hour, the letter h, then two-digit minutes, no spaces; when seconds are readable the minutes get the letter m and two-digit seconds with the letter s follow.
6h47
